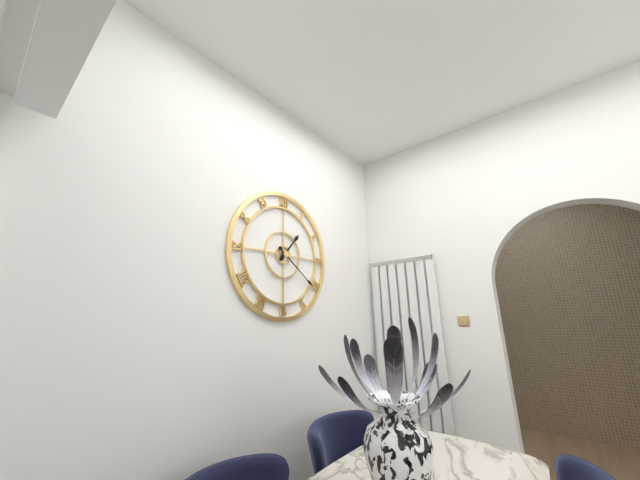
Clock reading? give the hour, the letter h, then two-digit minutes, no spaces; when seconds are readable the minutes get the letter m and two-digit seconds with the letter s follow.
1h21
